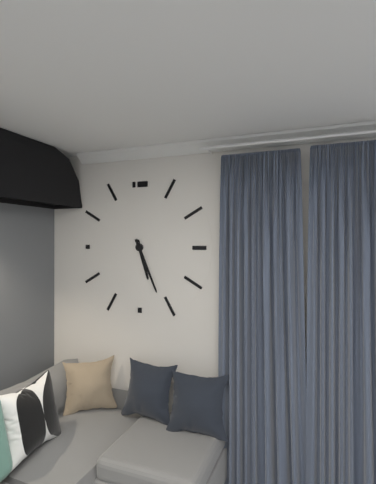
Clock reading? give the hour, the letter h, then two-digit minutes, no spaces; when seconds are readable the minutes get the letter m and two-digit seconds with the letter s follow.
5h26
